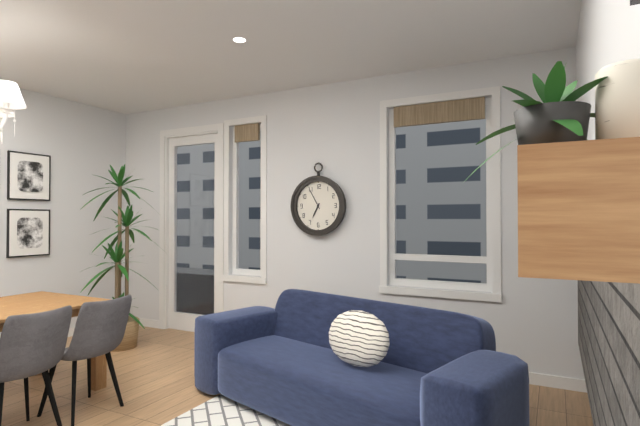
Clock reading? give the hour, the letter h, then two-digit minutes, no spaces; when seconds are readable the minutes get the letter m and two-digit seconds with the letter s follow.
6h55
